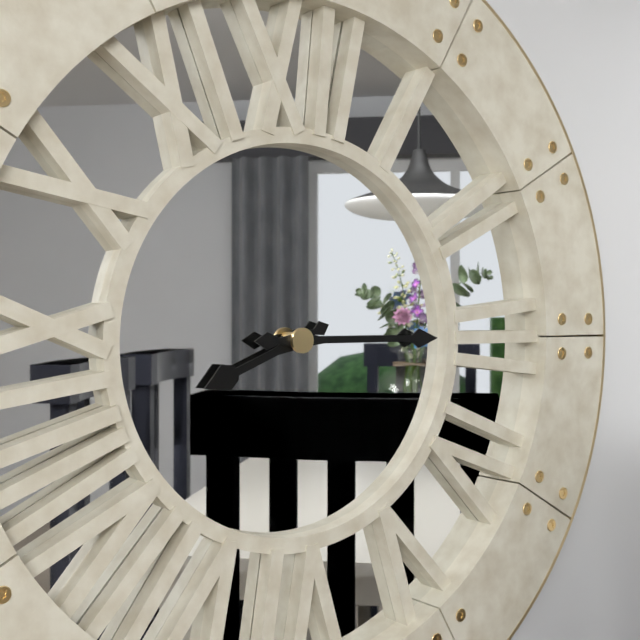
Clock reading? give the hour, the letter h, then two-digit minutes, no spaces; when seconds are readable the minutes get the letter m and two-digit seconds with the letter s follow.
8h15
